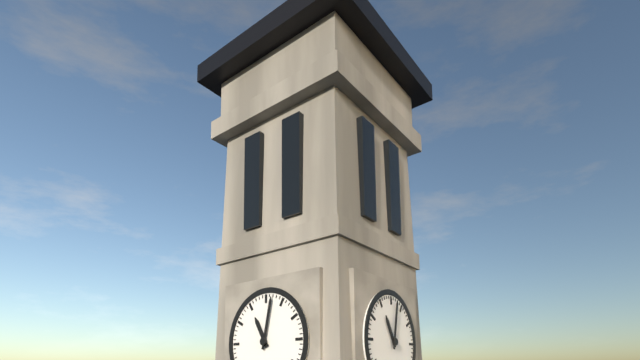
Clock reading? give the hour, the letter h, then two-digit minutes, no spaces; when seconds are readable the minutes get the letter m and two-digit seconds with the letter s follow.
11h02
